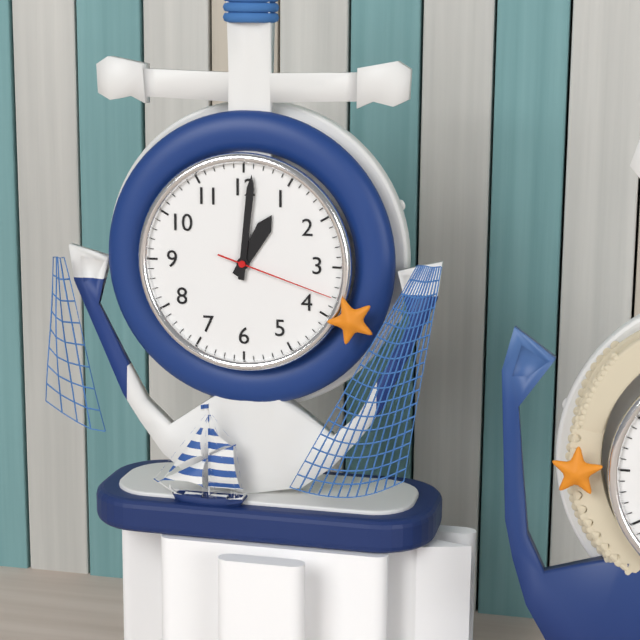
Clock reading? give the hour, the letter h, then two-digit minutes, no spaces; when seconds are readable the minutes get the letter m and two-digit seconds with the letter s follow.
1h01m18s
